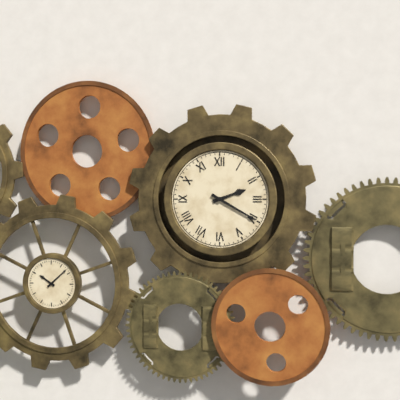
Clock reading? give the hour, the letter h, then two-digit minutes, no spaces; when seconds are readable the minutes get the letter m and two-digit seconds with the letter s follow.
2h20
